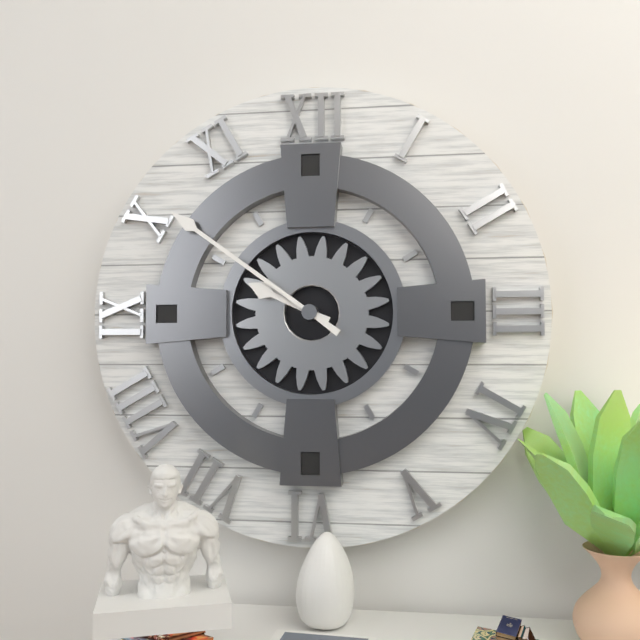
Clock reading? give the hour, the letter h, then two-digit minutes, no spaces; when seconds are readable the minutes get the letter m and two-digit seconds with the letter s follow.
9h51
